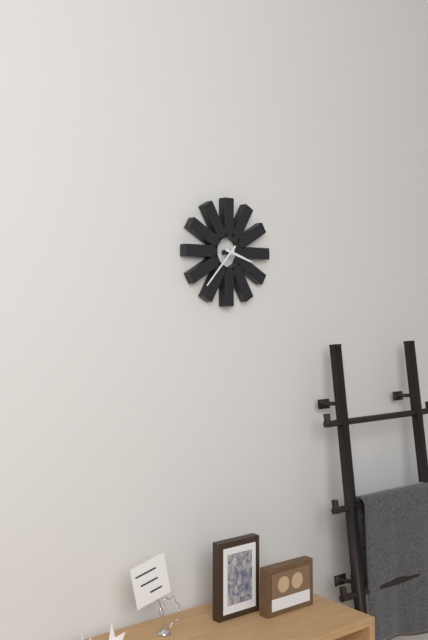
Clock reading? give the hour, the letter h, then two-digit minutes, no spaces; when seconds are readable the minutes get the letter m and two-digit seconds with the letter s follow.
3h37
